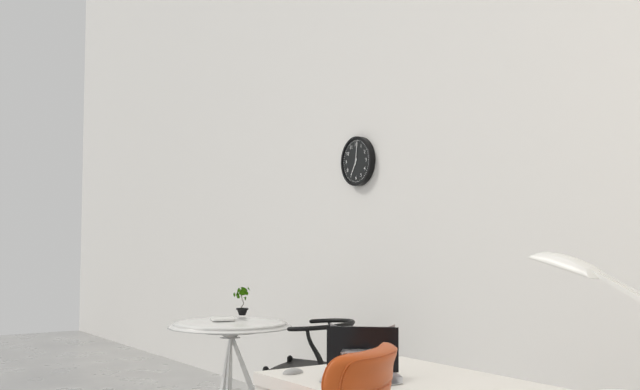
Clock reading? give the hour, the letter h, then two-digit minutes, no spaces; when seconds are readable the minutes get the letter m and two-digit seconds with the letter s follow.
7h01
